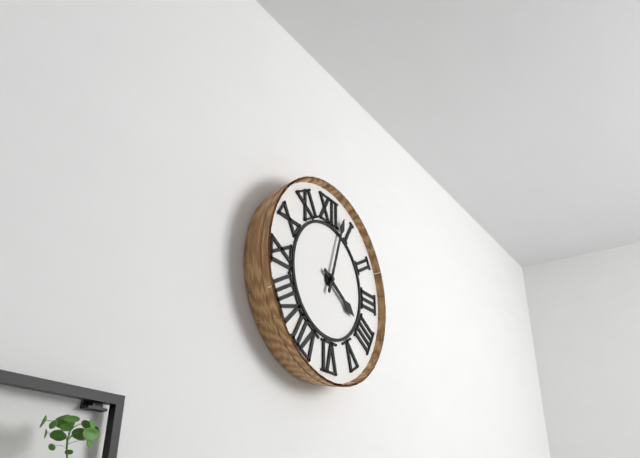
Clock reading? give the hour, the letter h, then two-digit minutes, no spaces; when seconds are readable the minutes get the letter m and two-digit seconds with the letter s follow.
4h03
